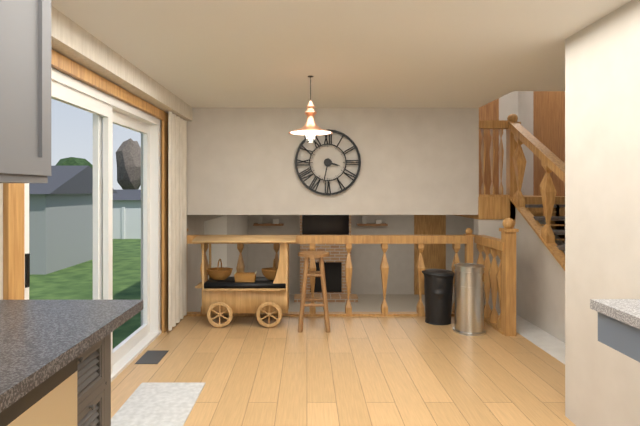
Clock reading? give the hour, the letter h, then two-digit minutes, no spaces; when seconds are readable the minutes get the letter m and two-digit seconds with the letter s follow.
3h32
